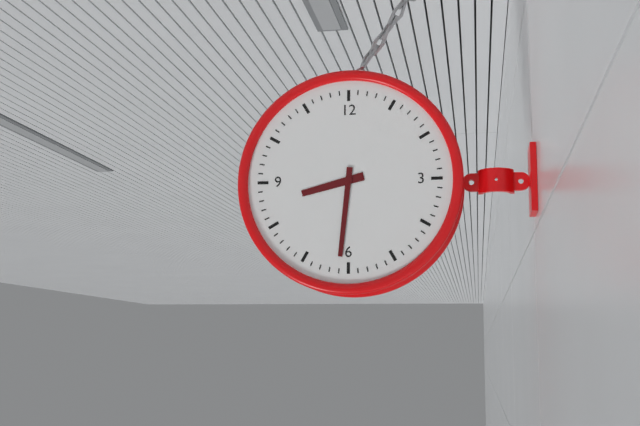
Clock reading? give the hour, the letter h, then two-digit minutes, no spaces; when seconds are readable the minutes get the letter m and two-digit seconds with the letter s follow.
8h31
